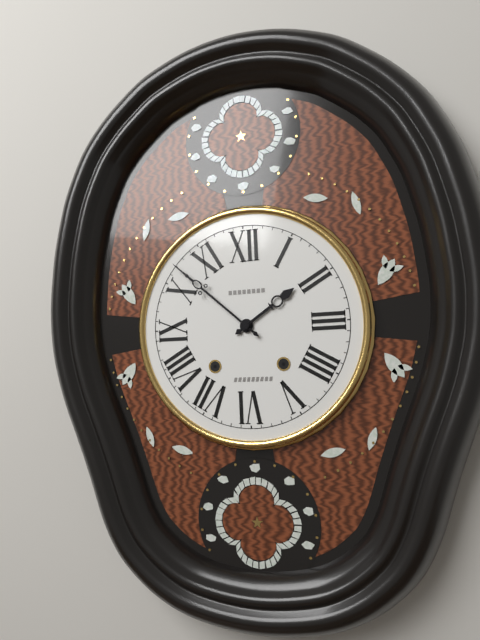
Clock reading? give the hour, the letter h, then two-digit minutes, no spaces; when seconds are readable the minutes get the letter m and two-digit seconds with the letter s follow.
1h52
